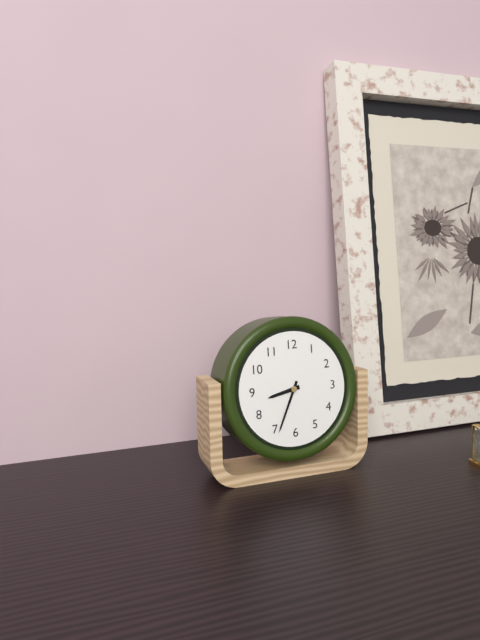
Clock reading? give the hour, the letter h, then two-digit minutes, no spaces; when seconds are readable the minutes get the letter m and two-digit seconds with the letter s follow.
8h34
